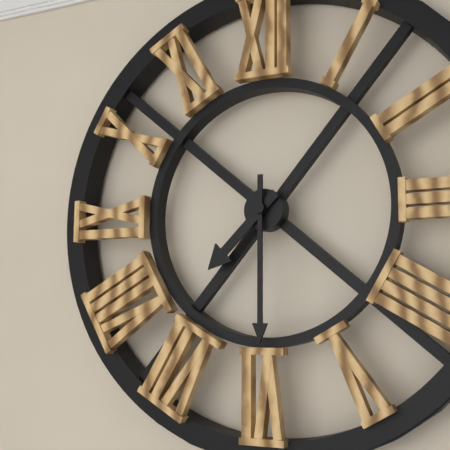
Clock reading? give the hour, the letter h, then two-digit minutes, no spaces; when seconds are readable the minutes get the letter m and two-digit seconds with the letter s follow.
7h30
